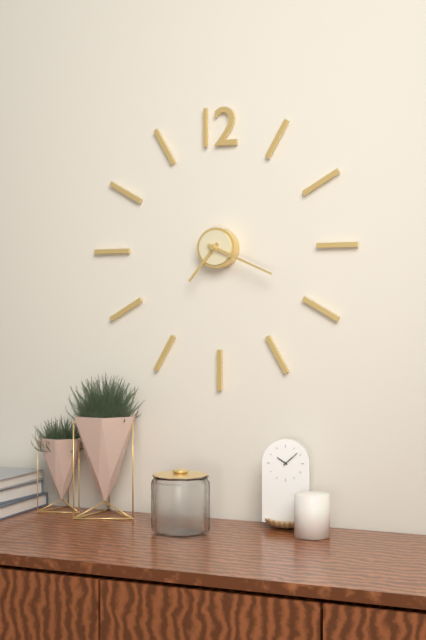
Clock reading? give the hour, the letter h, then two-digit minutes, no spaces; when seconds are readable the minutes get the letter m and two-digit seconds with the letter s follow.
7h19
